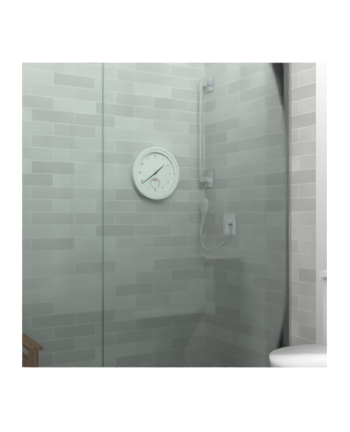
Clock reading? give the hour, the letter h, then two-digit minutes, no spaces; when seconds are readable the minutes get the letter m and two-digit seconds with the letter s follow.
1h39
